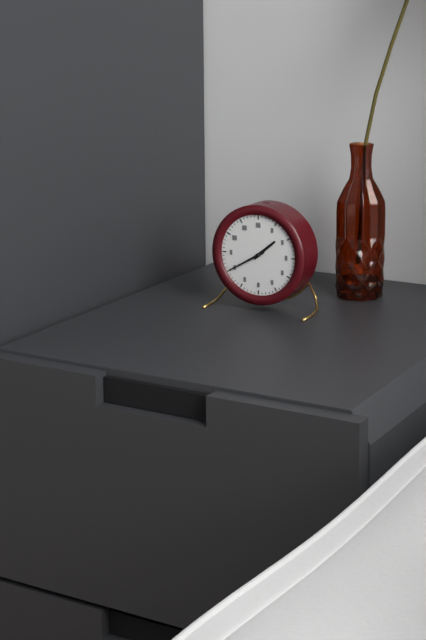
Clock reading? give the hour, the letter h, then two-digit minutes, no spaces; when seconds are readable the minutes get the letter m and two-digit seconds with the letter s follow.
1h40
